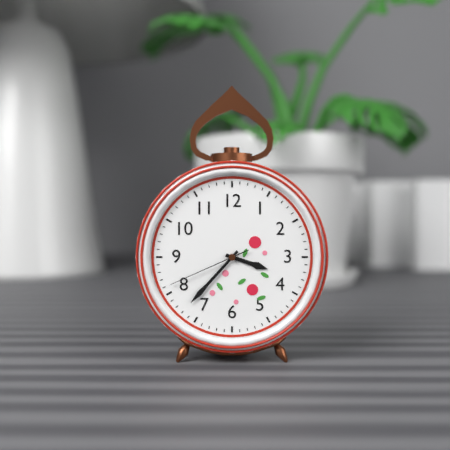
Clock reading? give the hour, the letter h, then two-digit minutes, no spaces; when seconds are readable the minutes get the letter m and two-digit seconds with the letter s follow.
3h37m41s
